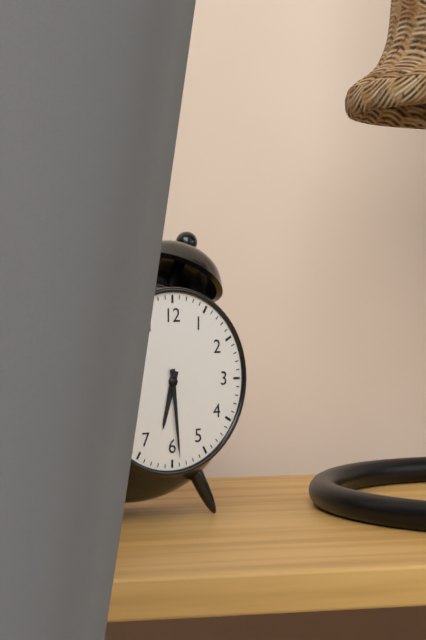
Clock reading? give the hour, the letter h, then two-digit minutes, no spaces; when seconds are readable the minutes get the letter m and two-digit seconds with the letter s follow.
6h29
